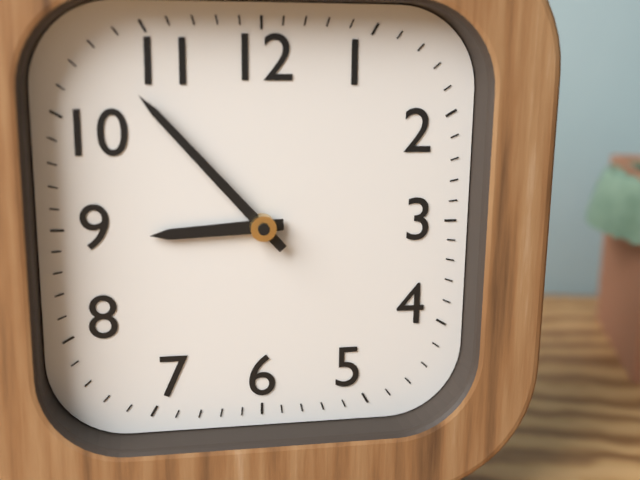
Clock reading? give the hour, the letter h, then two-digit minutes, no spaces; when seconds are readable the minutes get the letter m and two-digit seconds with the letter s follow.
8h53
